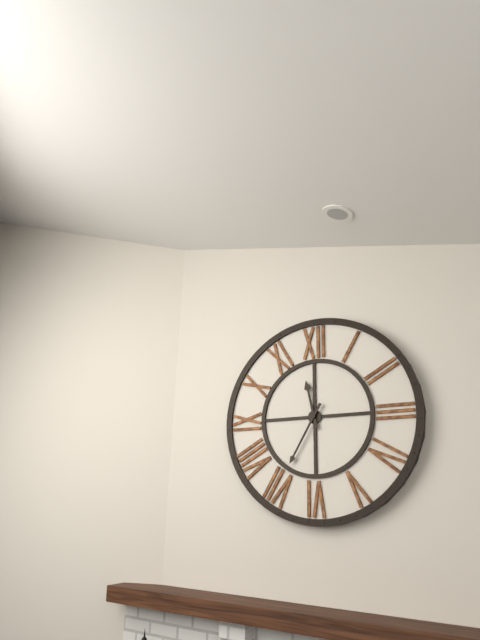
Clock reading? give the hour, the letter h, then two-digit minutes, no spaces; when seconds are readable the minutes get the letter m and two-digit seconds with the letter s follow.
11h35
